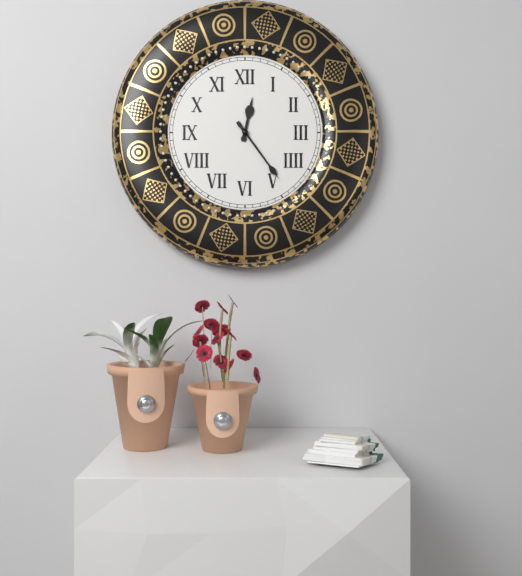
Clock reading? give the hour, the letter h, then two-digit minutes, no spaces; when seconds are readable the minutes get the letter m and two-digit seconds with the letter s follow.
12h24
